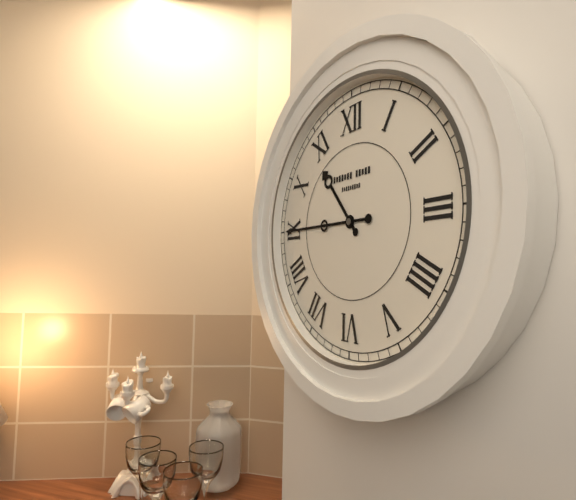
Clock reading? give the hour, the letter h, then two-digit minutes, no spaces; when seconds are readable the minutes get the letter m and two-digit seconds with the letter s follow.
10h45
